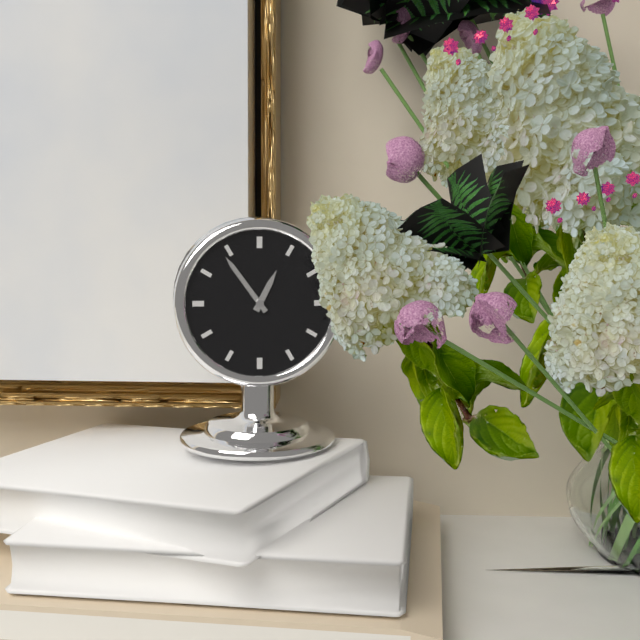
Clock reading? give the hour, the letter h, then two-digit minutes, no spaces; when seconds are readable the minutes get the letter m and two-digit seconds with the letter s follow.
12h54
